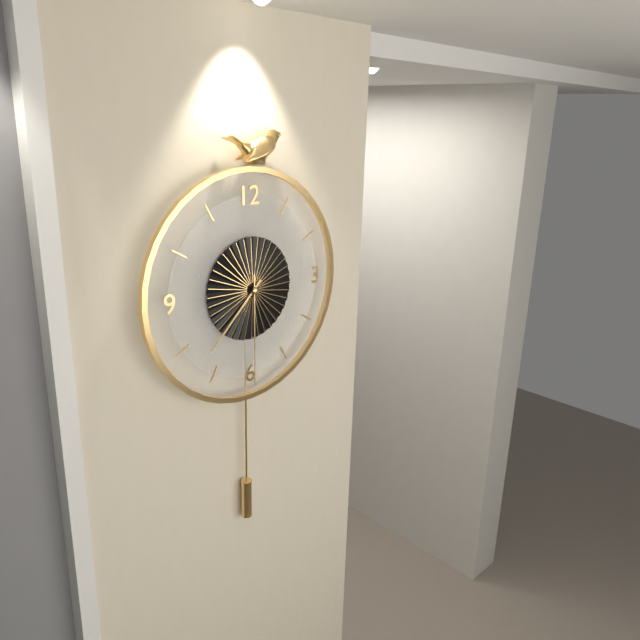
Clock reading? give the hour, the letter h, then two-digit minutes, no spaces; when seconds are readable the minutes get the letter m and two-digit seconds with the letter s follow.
7h30
